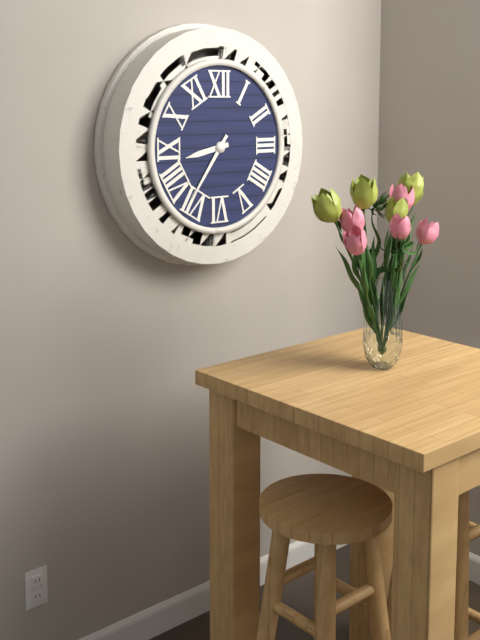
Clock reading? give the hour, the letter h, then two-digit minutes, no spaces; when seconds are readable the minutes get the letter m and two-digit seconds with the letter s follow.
8h36
